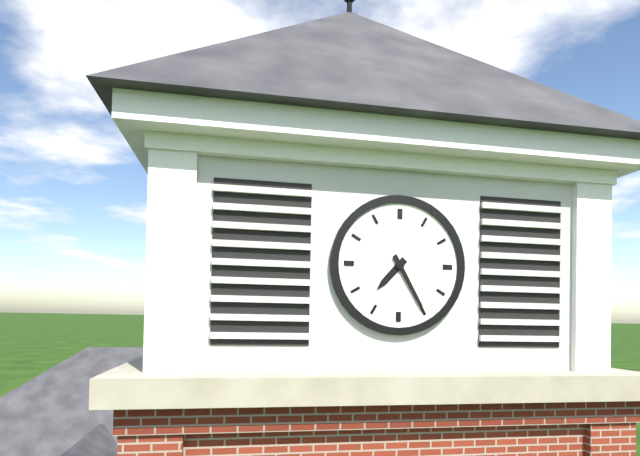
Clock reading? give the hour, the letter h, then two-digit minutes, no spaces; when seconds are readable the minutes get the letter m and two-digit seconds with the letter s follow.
7h25
